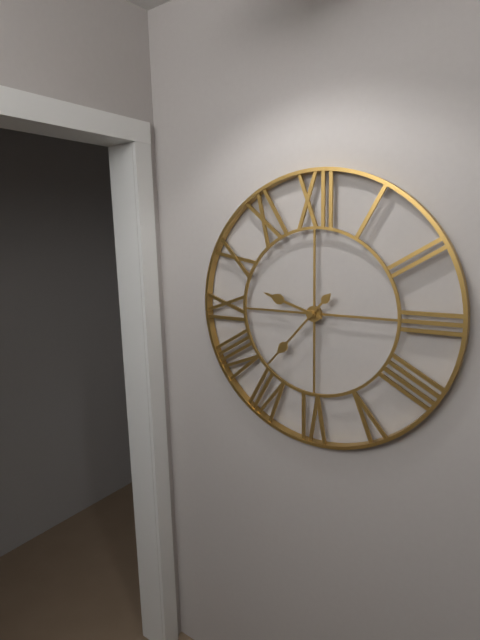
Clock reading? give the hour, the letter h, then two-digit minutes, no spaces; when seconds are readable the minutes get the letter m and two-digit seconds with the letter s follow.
9h37
